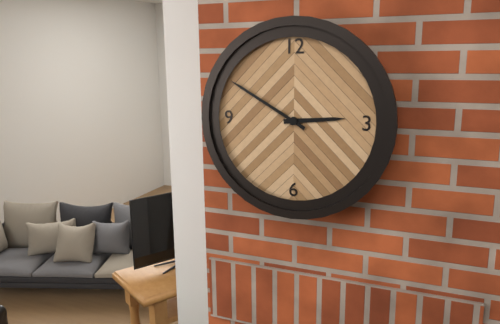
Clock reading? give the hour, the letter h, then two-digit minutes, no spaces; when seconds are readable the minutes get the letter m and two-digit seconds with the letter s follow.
2h50
